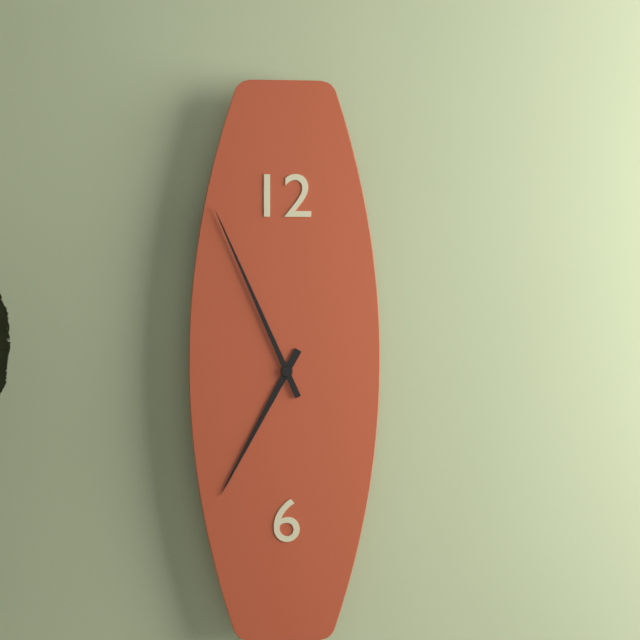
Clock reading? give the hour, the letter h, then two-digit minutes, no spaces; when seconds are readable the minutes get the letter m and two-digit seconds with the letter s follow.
6h56
